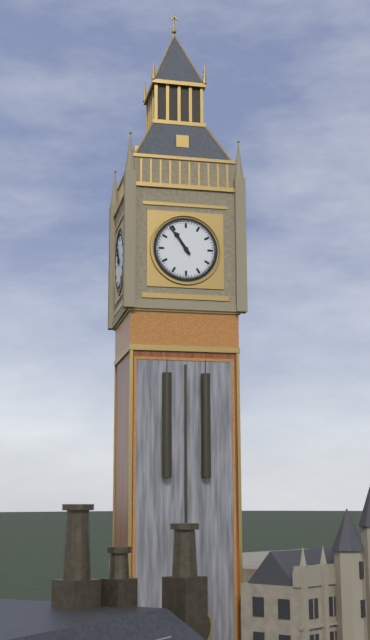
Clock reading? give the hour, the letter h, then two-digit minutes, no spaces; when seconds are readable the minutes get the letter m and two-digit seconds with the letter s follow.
10h54
